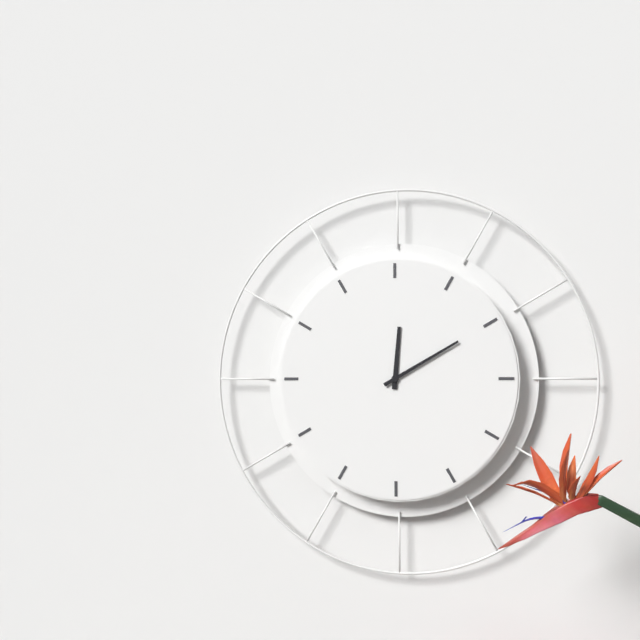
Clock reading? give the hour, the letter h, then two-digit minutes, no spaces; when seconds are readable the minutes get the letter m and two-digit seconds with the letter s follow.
12h10
